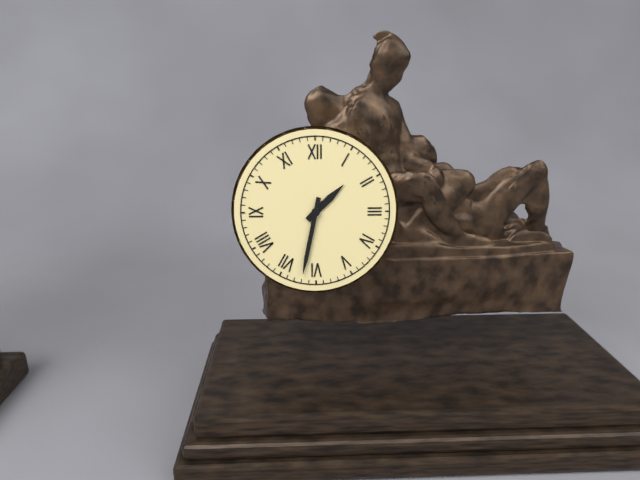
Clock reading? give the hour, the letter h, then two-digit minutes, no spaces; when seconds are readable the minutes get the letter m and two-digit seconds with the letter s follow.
1h32
